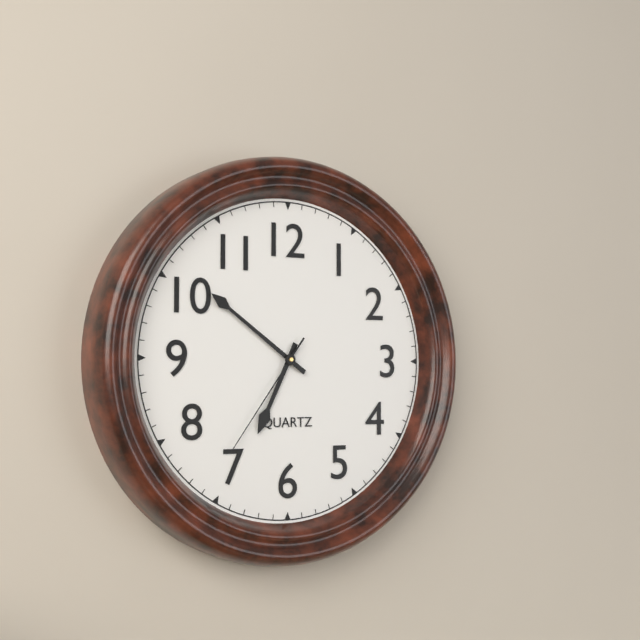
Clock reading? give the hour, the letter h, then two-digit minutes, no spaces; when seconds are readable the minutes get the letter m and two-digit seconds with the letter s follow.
6h51m36s
